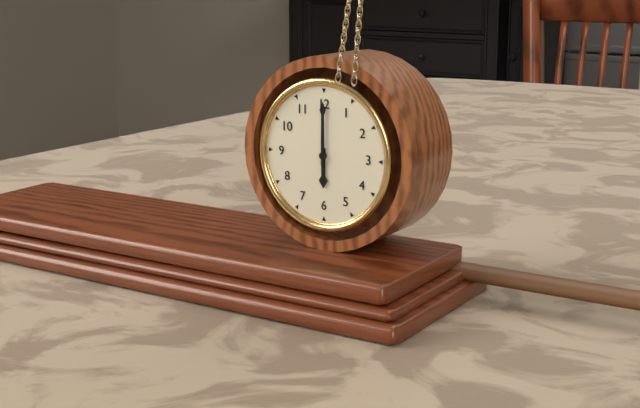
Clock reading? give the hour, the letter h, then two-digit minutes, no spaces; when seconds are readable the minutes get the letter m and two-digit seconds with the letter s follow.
6h00
